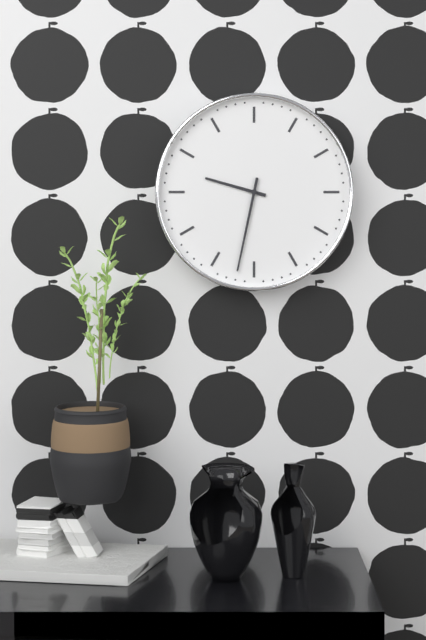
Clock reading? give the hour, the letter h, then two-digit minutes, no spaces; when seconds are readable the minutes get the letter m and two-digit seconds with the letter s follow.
9h32
